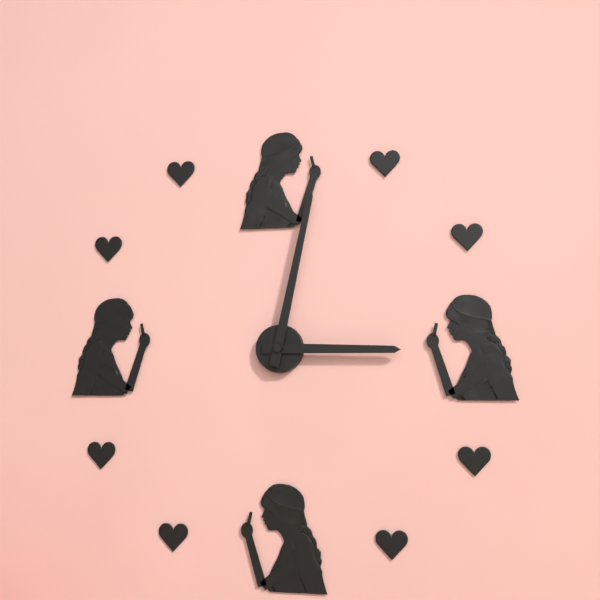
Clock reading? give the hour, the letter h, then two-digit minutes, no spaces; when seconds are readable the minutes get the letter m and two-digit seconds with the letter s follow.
3h02
